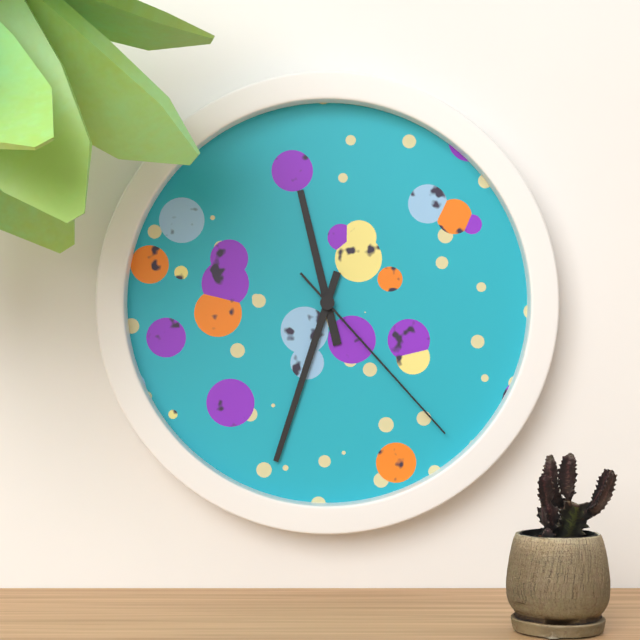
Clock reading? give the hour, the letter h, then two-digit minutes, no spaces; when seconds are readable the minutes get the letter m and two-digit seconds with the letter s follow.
11h33m23s
